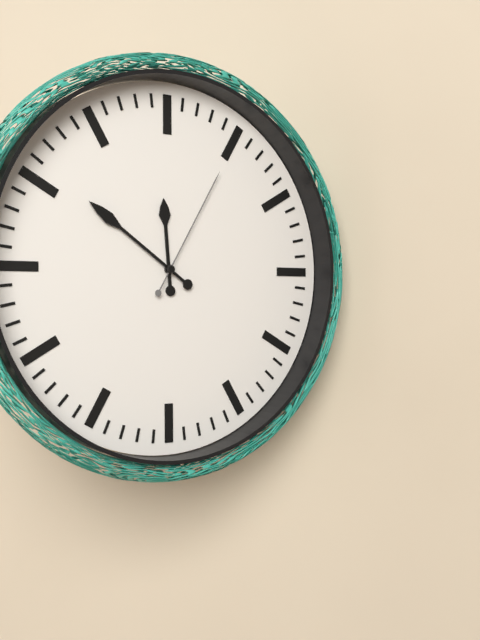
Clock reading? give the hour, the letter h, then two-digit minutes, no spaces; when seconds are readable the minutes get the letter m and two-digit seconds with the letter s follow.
11h51m05s
